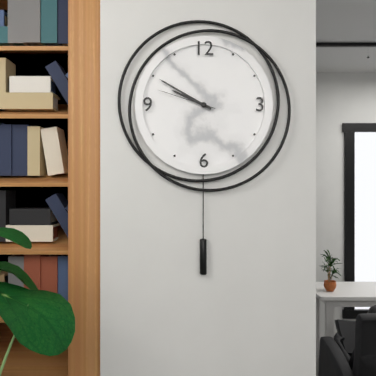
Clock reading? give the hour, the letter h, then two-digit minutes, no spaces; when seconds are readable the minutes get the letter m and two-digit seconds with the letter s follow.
9h50m48s
